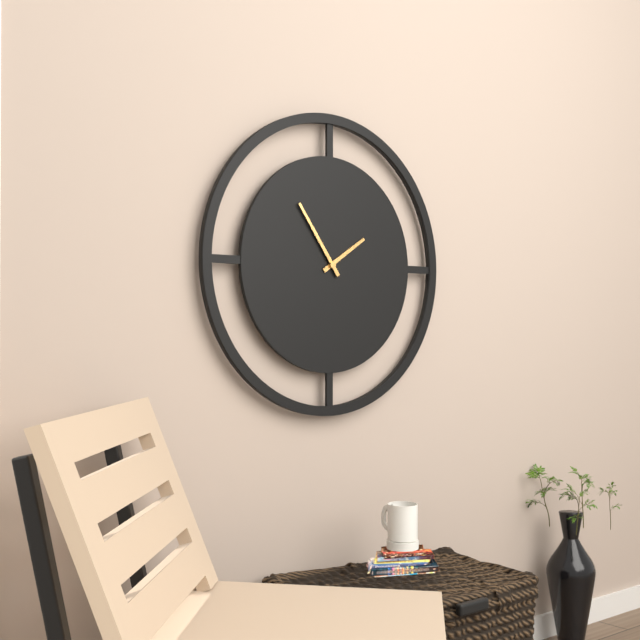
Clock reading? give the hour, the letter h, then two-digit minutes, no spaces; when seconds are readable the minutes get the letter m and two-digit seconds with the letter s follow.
1h54
